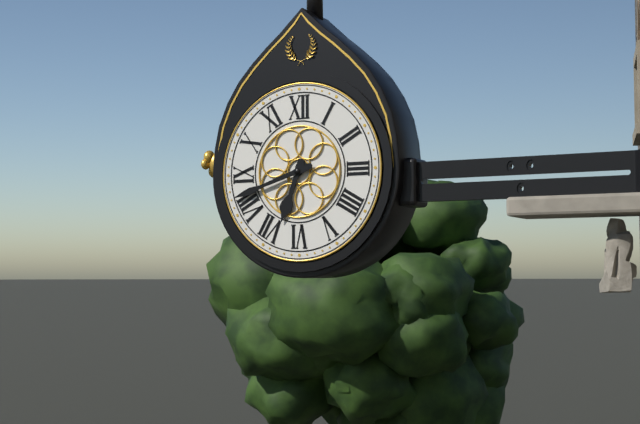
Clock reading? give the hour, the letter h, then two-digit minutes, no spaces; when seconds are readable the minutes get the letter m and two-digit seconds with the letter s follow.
6h42
